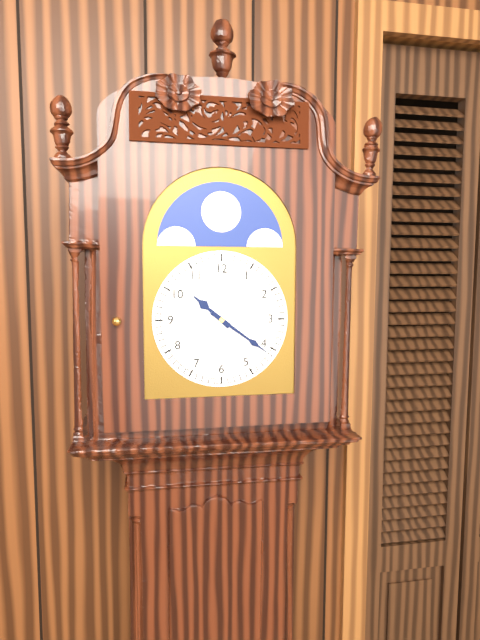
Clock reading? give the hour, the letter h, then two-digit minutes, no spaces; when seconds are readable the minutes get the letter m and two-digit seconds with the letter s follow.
10h21
